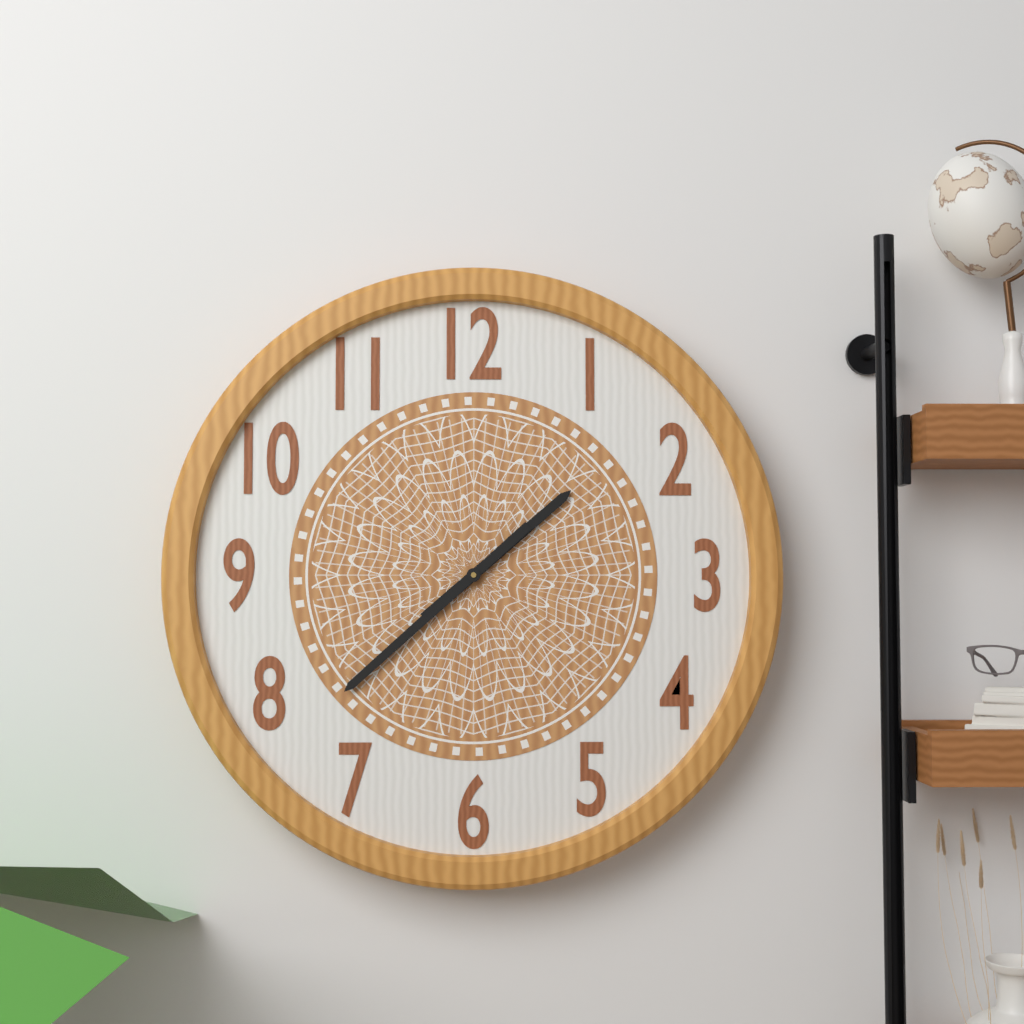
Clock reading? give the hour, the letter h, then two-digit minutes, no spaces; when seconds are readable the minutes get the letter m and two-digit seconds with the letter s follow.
1h38
